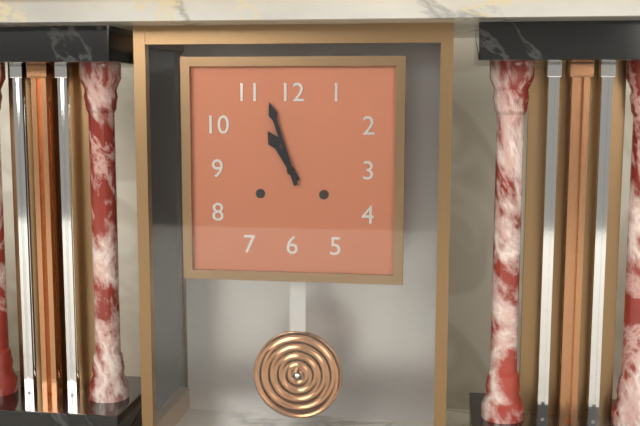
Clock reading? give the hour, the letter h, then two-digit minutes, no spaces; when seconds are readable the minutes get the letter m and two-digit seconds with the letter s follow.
10h57
